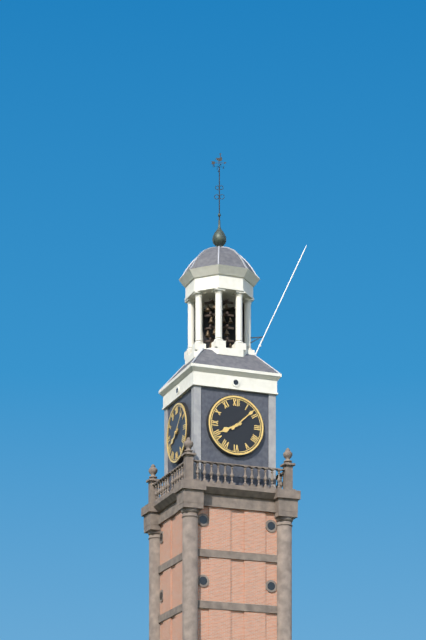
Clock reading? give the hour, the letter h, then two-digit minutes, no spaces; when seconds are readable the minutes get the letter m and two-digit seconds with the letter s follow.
8h08
